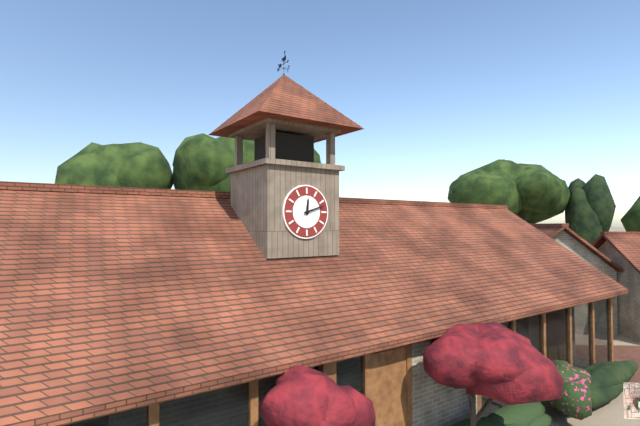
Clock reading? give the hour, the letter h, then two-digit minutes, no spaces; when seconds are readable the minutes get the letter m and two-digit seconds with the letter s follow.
12h12
